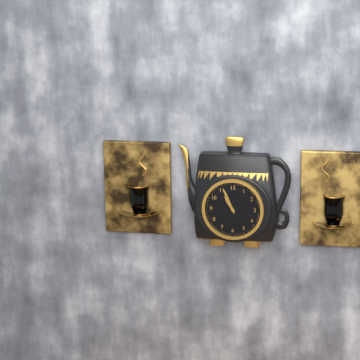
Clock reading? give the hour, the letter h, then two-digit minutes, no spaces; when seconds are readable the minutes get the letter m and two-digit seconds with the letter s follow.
10h56
